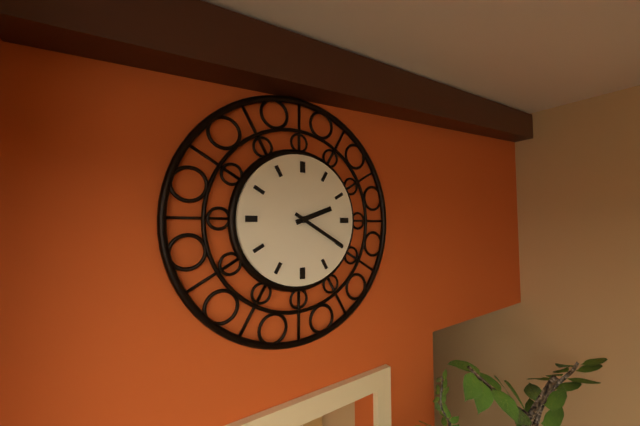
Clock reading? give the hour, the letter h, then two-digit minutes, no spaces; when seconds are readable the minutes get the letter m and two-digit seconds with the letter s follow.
2h20
